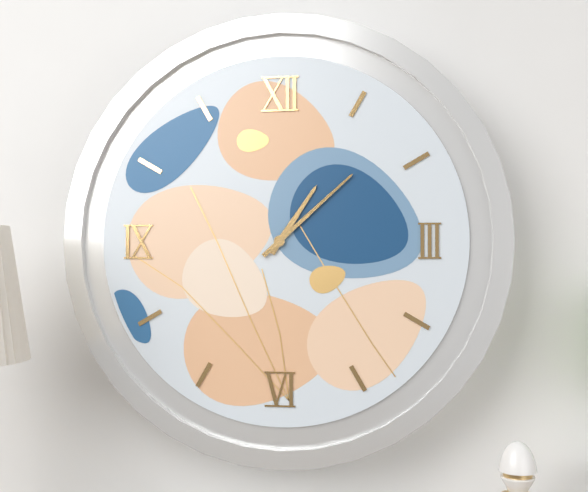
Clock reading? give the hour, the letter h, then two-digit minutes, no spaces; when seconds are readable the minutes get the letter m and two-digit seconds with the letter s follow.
1h08
